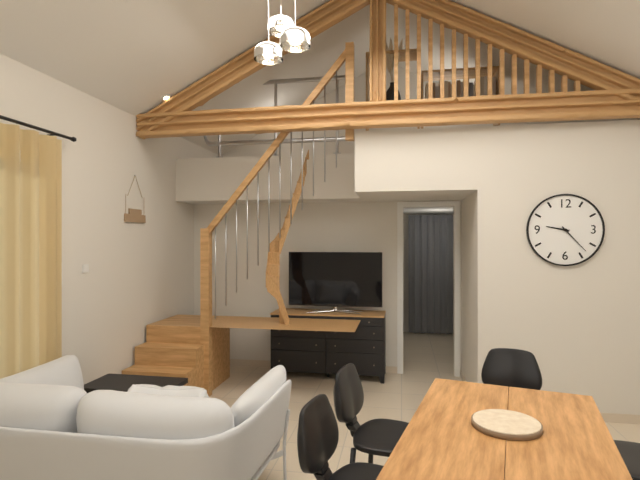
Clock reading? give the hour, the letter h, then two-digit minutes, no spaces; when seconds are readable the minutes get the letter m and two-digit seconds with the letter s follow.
9h23
